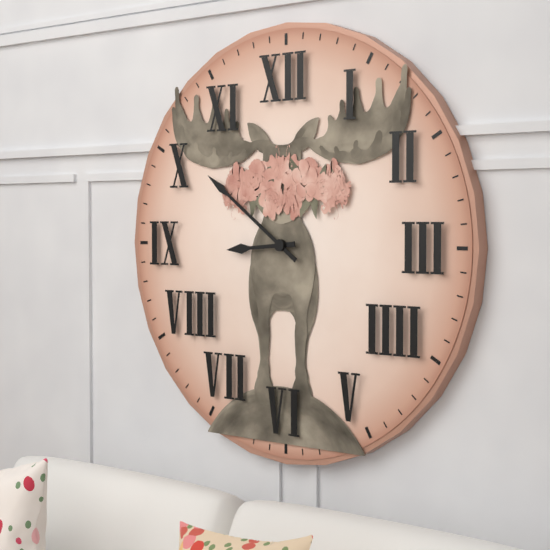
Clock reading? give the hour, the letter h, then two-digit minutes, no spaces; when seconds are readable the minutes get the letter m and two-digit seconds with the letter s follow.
8h51
